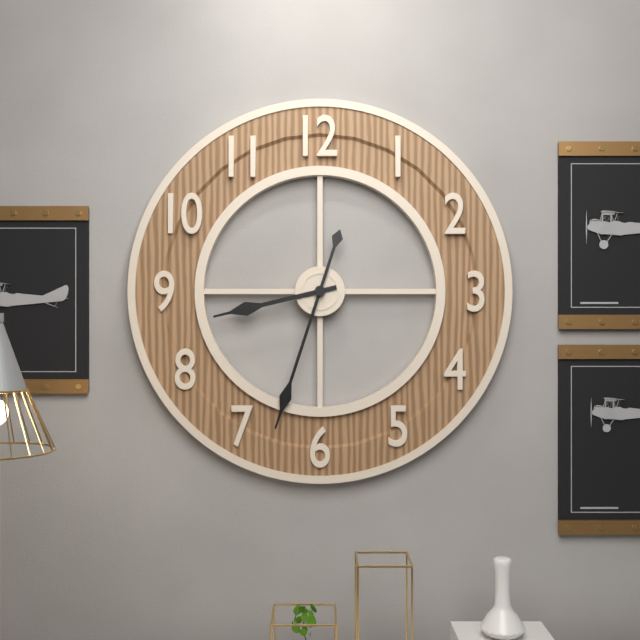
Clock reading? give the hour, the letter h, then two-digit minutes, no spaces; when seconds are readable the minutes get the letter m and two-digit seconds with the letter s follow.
8h33
